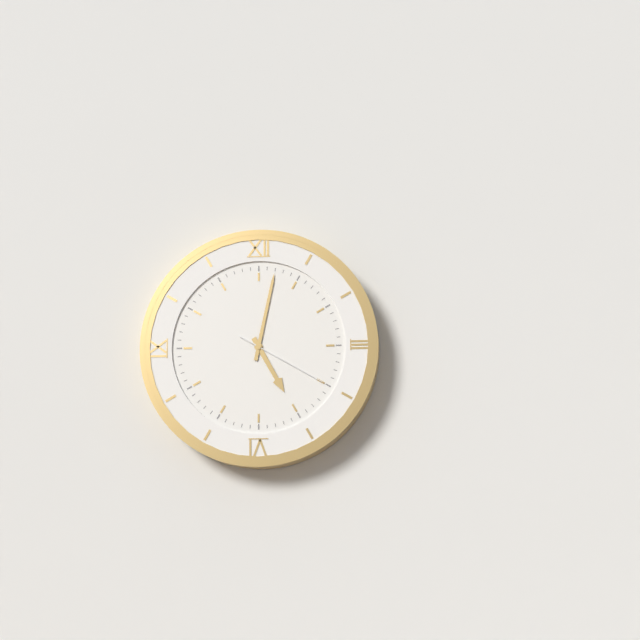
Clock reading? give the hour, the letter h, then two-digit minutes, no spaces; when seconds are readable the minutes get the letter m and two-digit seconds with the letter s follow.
5h02m20s
